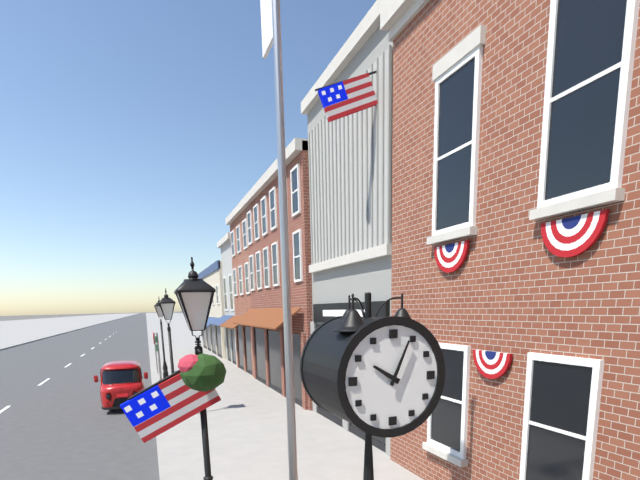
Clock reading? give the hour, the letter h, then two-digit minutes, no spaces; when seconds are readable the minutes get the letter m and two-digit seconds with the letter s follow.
10h04
